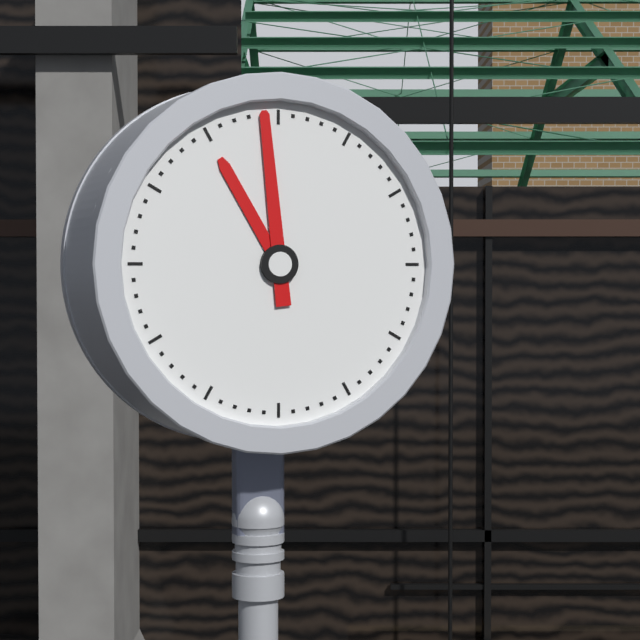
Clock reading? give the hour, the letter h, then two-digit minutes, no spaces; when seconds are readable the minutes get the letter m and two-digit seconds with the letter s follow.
10h59
